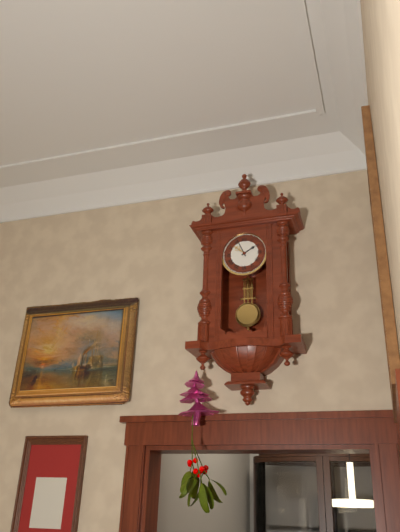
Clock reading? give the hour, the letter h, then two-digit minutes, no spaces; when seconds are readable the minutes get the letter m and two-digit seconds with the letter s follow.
1h56
